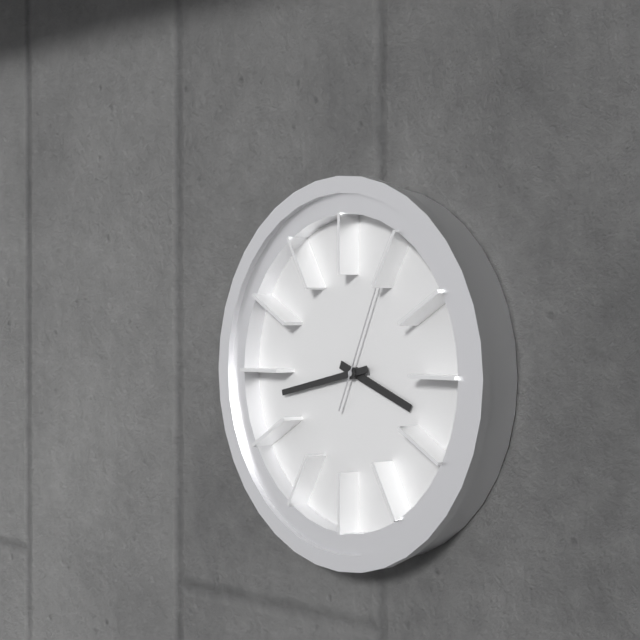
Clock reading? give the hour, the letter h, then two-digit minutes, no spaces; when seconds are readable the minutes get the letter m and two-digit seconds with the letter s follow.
3h43m04s
